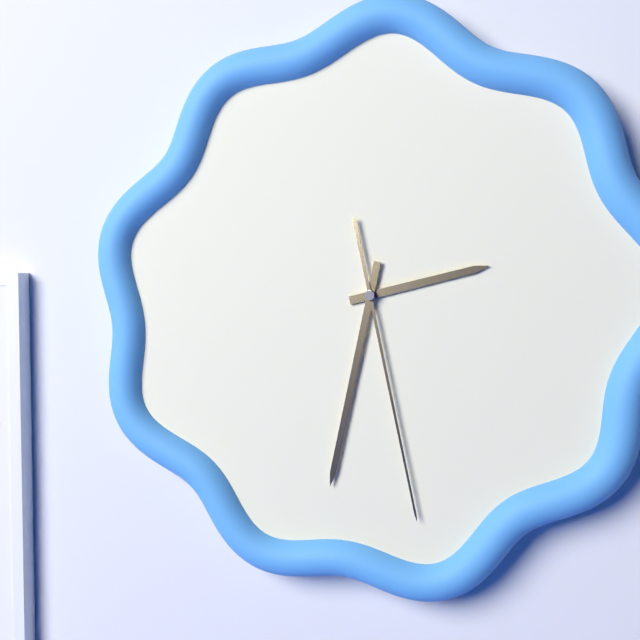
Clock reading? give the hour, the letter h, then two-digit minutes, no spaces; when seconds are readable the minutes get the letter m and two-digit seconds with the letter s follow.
2h32m28s
